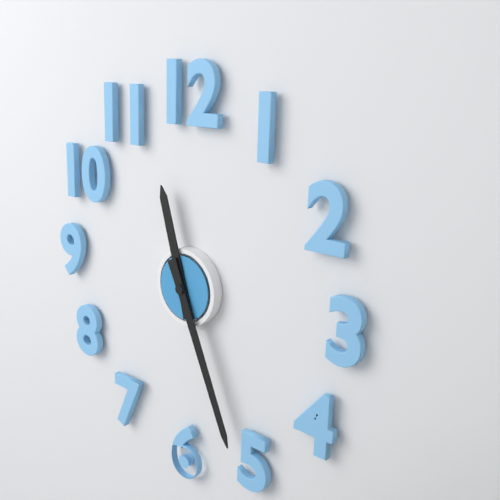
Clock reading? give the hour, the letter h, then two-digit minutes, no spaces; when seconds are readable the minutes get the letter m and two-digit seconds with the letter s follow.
11h26
